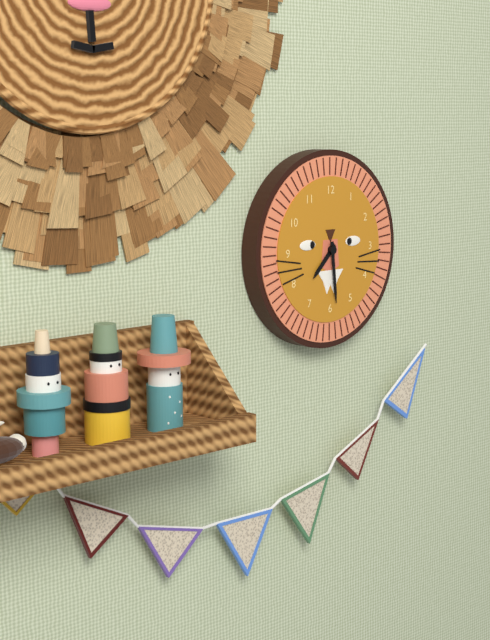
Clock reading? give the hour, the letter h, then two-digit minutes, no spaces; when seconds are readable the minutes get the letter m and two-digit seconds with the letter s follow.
7h29
